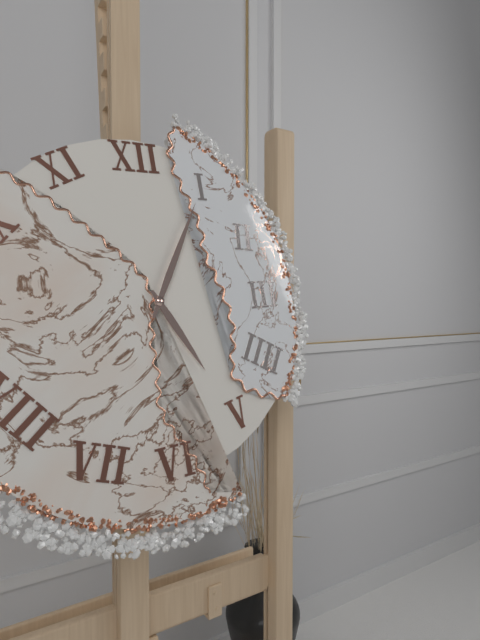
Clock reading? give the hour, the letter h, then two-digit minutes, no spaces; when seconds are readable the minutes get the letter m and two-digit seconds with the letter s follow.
5h05
